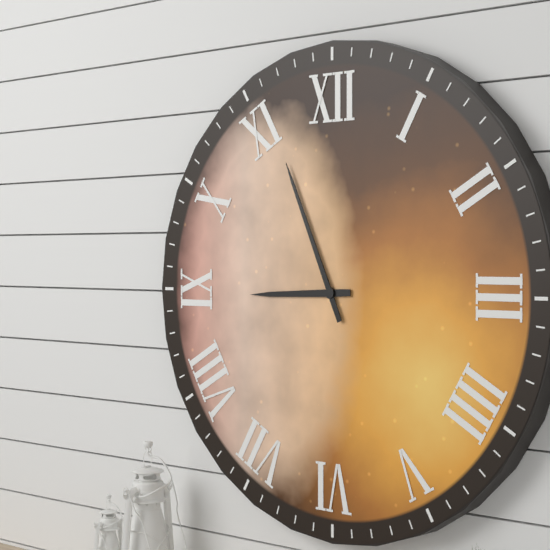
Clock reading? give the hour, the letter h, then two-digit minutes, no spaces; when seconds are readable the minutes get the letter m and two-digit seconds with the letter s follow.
8h56
